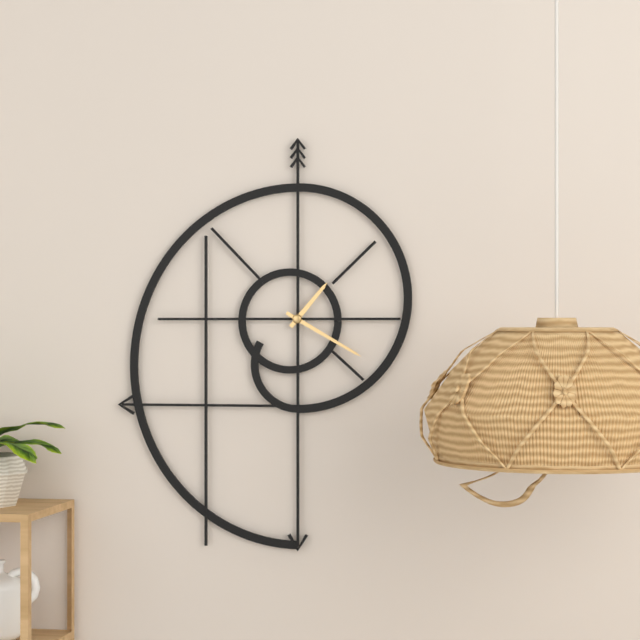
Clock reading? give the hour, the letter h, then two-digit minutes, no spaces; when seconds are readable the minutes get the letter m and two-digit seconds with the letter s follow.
1h20
